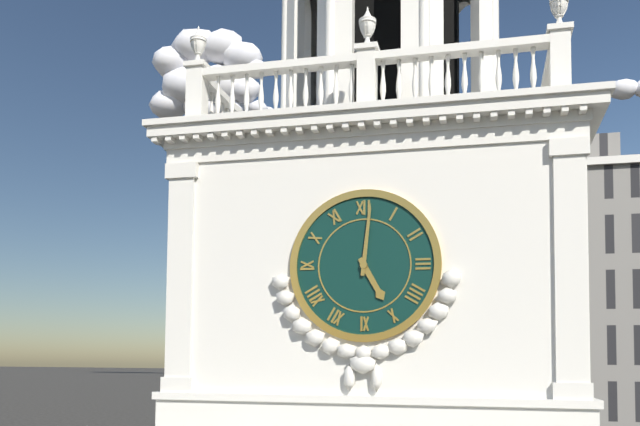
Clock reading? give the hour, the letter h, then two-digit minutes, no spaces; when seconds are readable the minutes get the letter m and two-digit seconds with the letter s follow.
5h01
